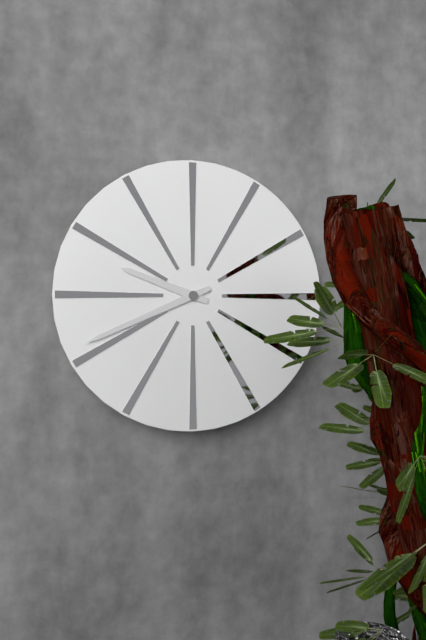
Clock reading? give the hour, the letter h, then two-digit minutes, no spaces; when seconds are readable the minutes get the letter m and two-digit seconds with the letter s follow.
9h41
